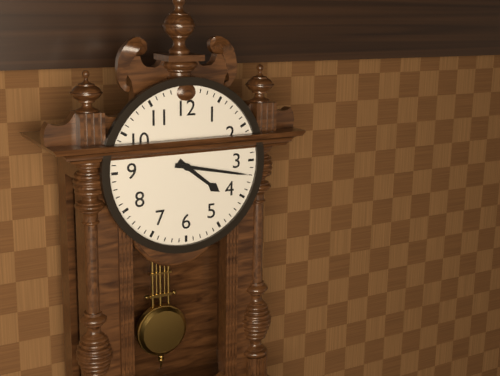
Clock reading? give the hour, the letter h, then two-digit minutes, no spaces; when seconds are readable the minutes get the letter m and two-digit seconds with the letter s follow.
4h17
